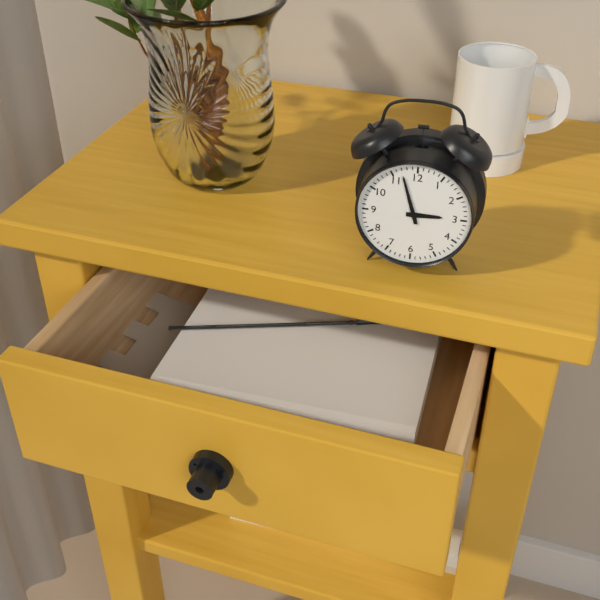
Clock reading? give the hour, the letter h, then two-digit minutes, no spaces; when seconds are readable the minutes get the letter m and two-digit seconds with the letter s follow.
2h57
